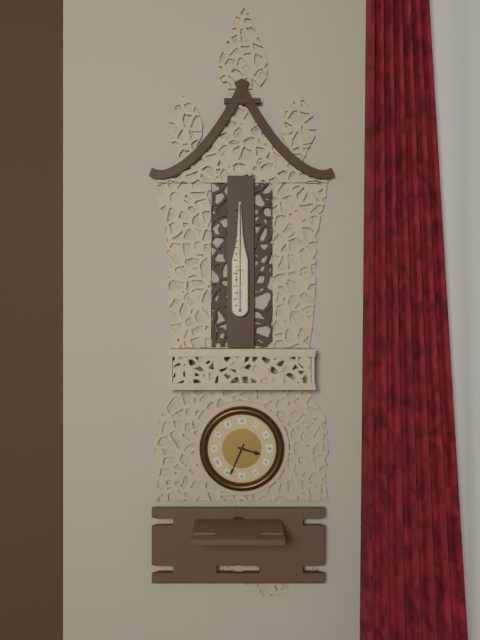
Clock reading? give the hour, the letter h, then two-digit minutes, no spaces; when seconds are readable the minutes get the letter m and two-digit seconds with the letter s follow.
3h34
